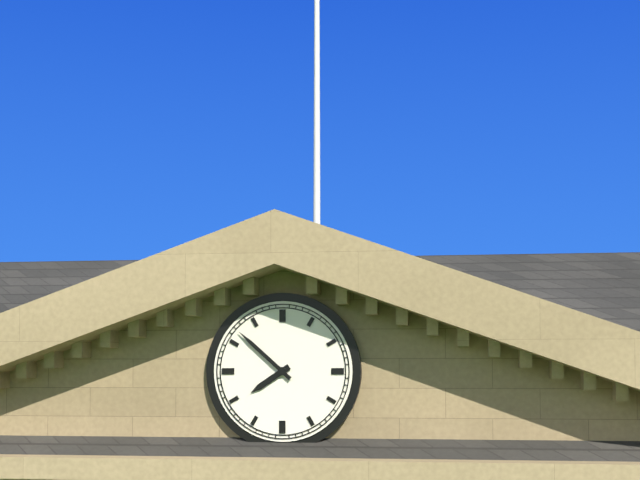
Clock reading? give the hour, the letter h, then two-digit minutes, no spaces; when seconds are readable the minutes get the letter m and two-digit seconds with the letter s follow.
7h52
